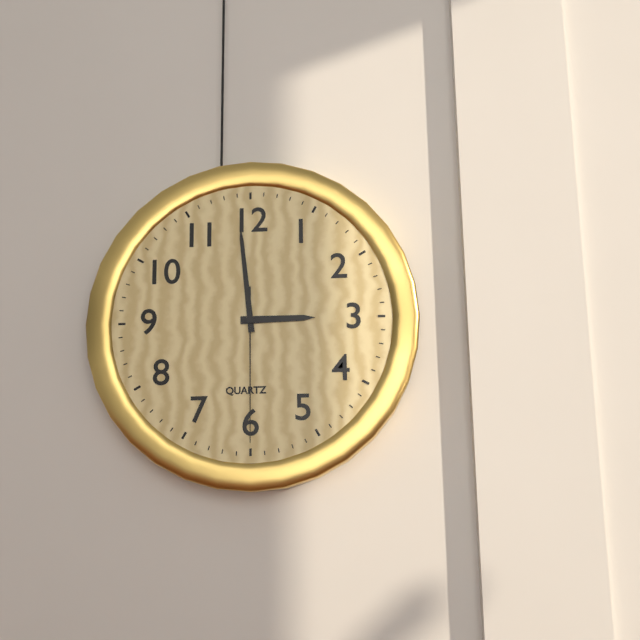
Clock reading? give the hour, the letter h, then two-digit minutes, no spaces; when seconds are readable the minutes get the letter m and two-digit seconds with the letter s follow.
2h59m30s
